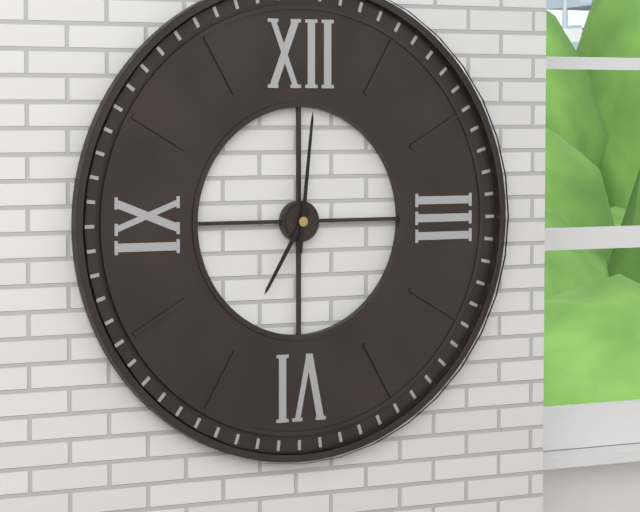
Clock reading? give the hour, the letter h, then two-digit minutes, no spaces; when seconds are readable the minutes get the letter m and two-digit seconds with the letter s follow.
7h01
